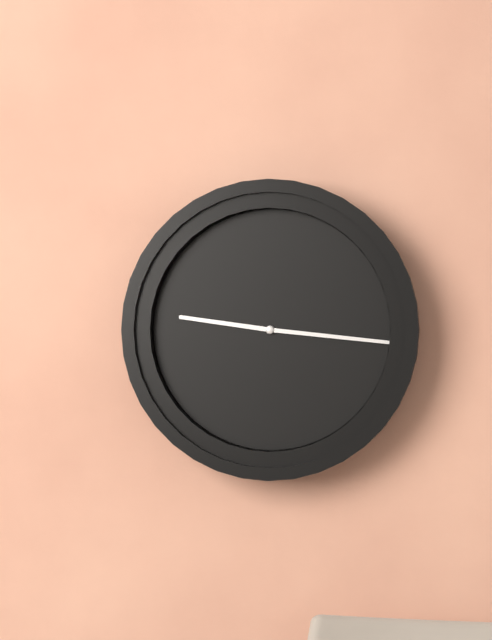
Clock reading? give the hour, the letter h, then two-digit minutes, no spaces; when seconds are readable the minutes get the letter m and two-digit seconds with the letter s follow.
9h16
